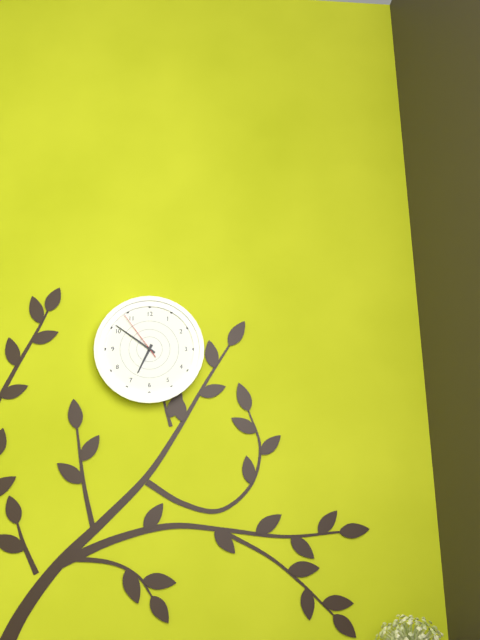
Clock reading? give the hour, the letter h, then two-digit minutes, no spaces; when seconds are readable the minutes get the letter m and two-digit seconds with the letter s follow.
6h51m54s
